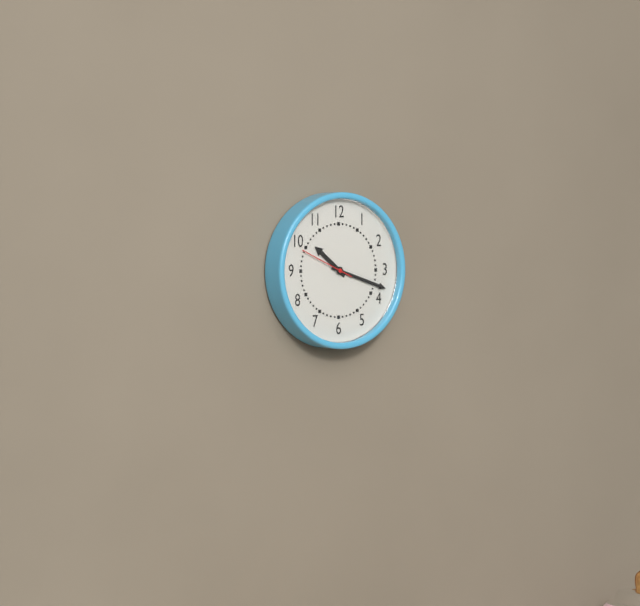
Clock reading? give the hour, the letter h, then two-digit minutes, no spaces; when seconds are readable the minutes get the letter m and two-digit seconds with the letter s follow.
10h18m49s
